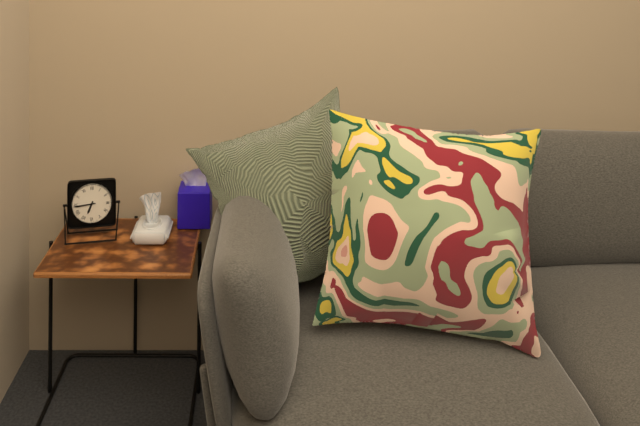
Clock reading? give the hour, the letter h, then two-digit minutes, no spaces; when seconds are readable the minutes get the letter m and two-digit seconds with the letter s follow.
6h44
